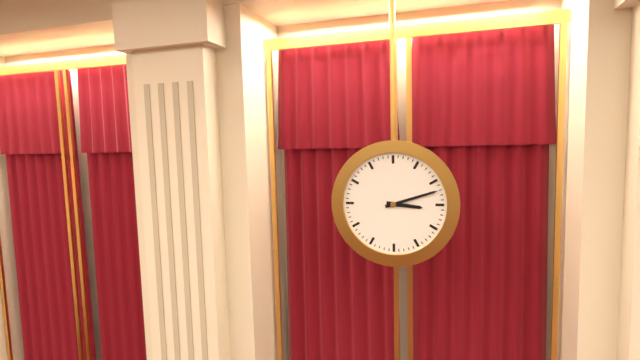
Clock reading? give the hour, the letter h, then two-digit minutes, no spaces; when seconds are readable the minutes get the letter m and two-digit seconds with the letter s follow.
3h12
